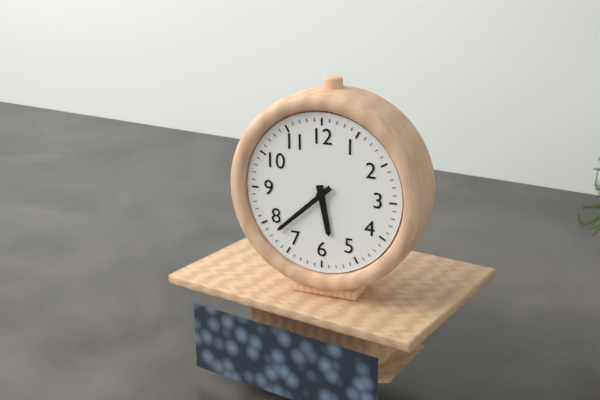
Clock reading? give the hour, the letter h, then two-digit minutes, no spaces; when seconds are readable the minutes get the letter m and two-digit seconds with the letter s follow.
5h38
